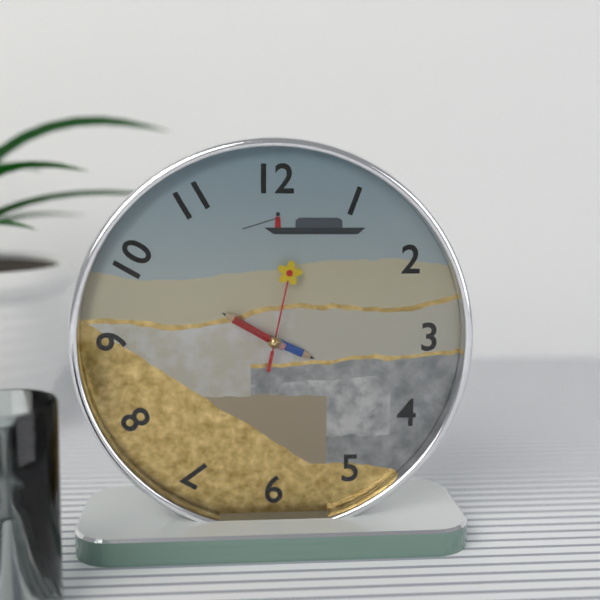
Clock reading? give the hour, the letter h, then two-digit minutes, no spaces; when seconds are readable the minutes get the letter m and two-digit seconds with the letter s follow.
3h50m02s
